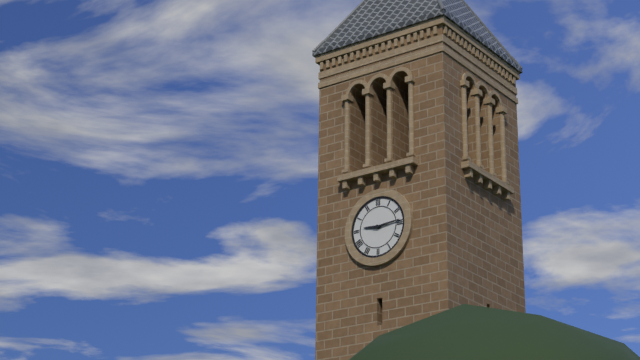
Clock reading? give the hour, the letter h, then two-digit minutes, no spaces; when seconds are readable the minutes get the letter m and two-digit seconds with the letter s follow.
9h14
